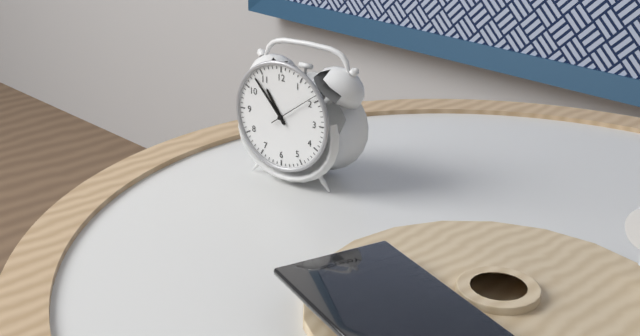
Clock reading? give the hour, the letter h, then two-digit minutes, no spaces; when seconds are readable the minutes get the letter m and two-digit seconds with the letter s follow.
10h53
